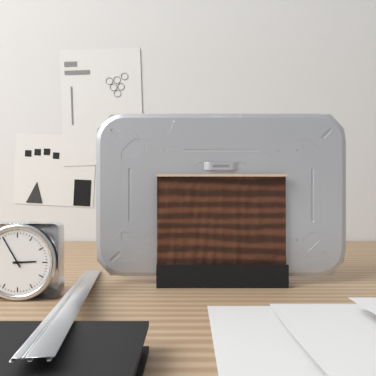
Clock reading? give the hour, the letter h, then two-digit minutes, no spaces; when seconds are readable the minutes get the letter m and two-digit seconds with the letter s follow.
2h55
